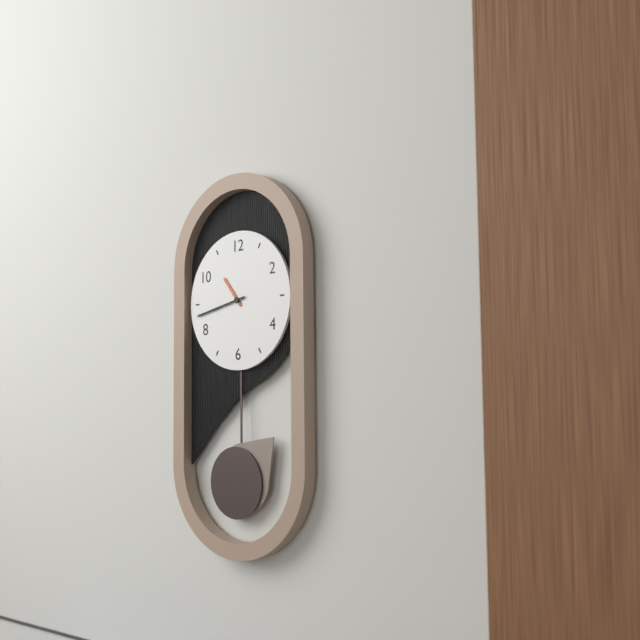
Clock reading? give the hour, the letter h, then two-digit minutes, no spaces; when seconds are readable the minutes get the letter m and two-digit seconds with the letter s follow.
10h43
